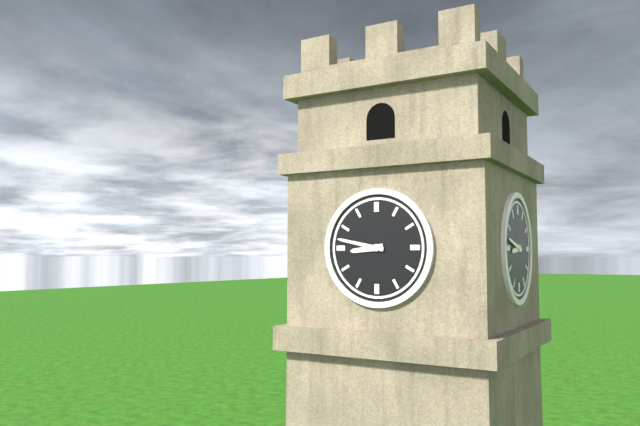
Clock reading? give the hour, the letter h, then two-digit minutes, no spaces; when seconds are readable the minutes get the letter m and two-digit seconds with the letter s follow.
8h47
